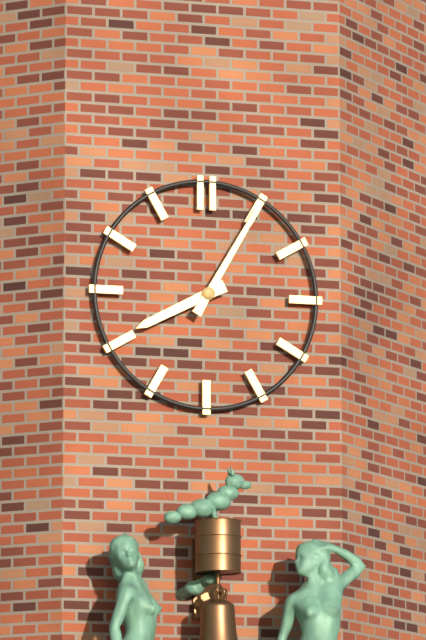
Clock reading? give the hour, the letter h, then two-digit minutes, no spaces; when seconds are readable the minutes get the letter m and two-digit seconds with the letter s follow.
8h05
